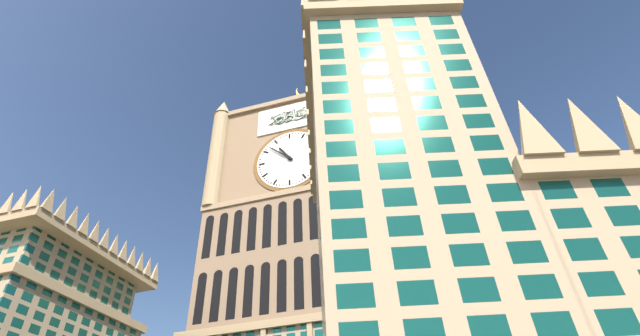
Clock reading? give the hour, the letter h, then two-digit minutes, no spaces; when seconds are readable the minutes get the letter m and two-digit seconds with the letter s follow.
10h52
